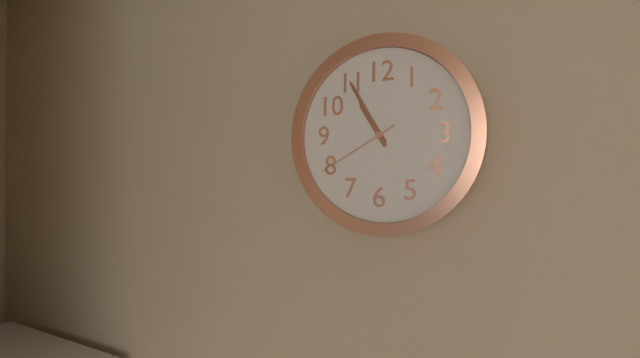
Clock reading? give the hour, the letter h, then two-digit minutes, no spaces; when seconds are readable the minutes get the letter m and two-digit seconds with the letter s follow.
10h55m40s
